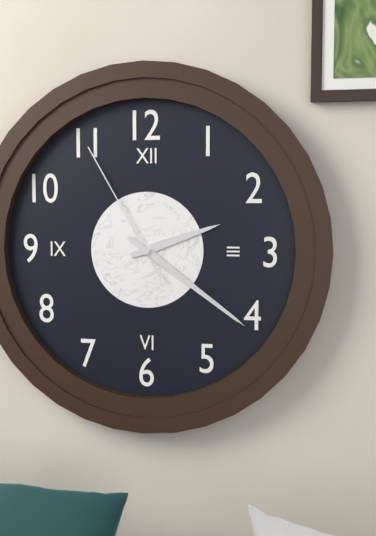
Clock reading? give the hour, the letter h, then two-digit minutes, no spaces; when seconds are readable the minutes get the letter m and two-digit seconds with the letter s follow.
2h21m55s
